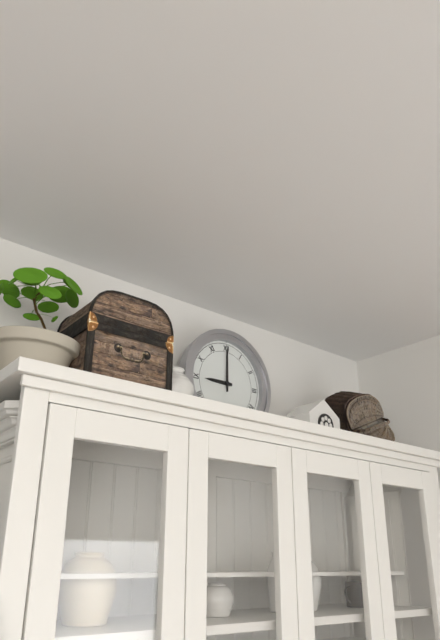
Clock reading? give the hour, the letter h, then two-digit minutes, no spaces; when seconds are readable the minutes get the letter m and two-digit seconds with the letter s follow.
9h00
